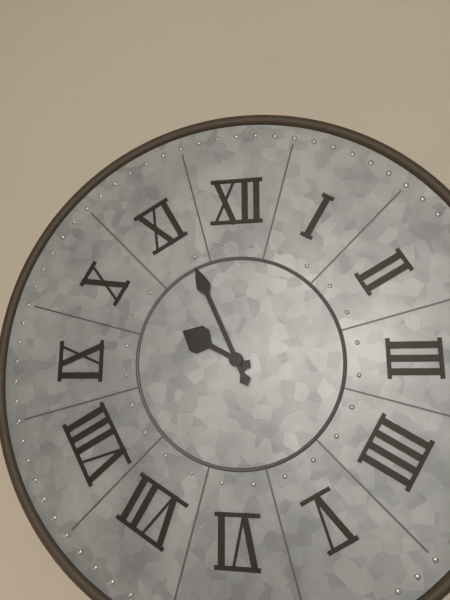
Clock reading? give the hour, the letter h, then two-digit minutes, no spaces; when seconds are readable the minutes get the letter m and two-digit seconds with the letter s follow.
9h56
